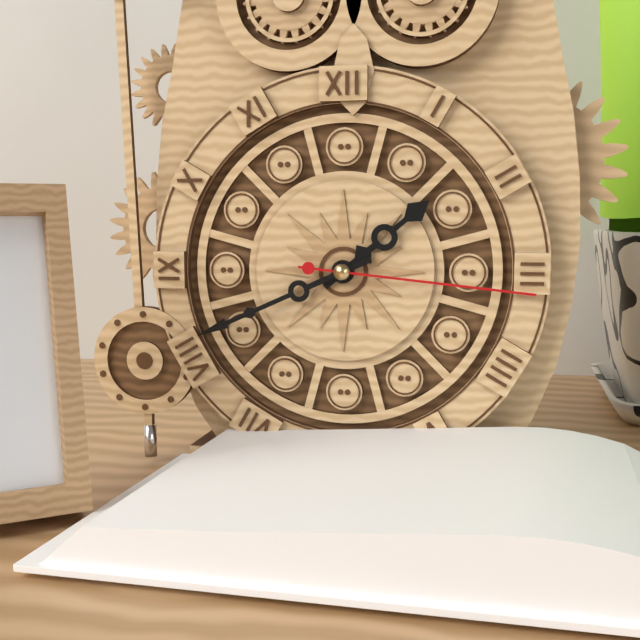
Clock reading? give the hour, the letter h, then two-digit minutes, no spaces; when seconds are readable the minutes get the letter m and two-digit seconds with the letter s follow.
1h41m16s
